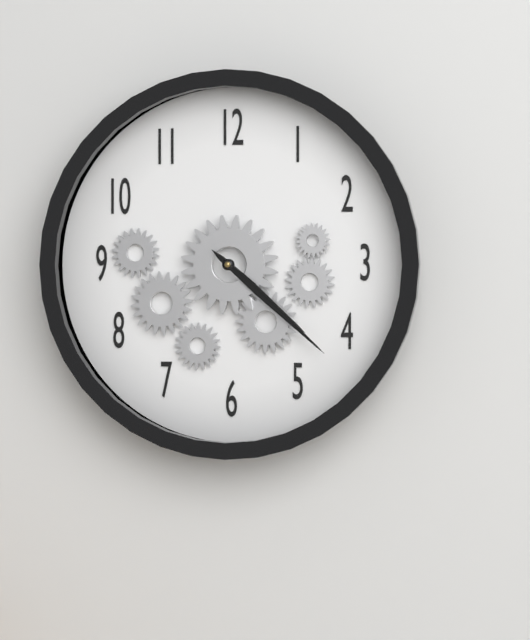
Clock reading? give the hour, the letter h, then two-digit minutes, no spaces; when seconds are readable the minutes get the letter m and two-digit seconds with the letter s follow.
4h22
